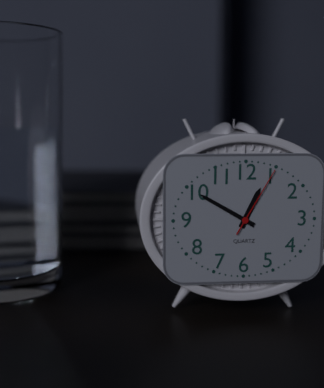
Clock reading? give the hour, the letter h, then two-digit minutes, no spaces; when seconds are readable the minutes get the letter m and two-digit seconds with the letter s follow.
12h50m05s
